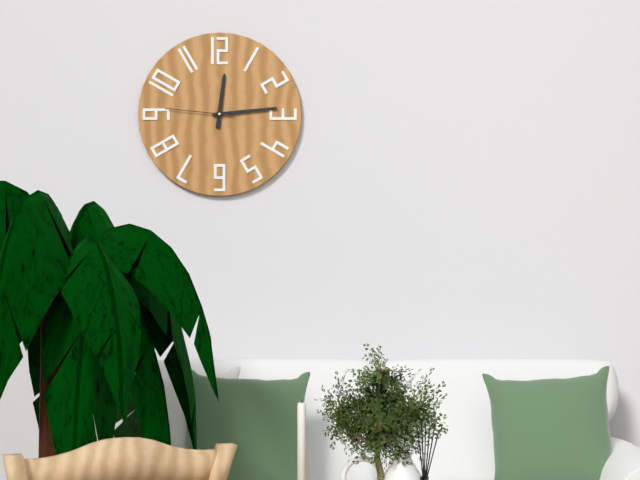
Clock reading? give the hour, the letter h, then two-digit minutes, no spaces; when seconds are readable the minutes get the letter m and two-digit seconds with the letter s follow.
12h14m46s
